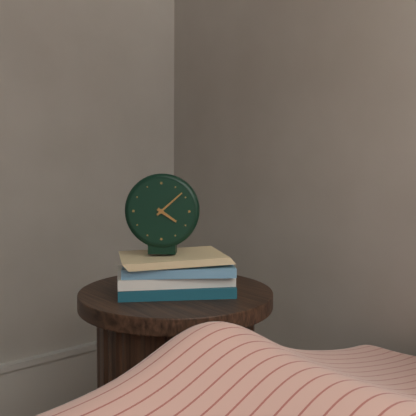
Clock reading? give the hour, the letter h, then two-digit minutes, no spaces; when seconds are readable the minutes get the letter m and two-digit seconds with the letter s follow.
4h08
